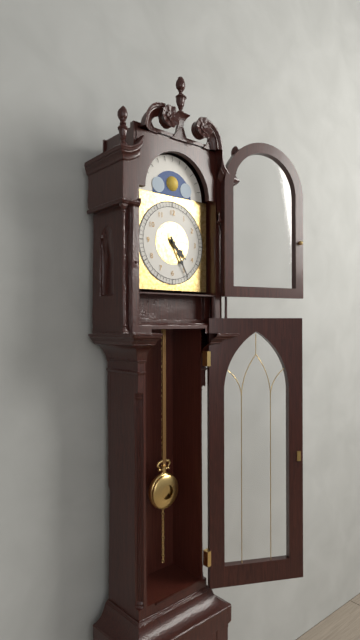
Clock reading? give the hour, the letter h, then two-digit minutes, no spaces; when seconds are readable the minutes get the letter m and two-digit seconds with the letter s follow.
4h25
